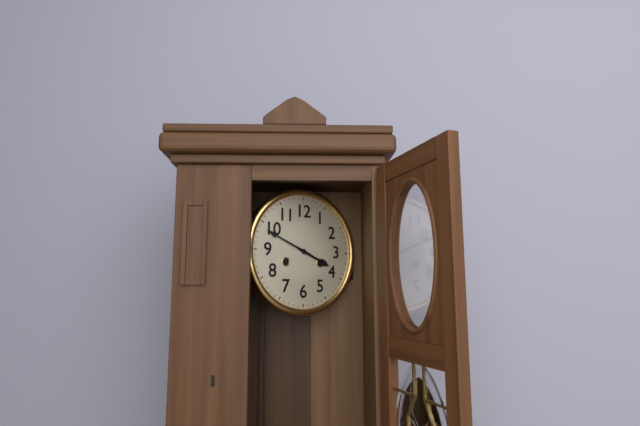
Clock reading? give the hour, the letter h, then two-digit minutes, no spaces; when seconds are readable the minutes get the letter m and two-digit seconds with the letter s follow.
3h49
